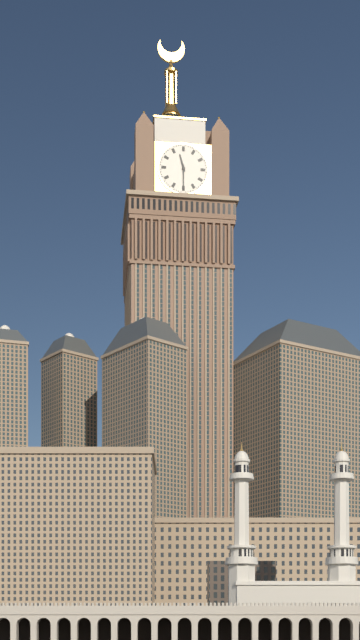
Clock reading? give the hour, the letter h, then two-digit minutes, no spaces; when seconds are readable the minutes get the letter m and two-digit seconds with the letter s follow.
11h30
